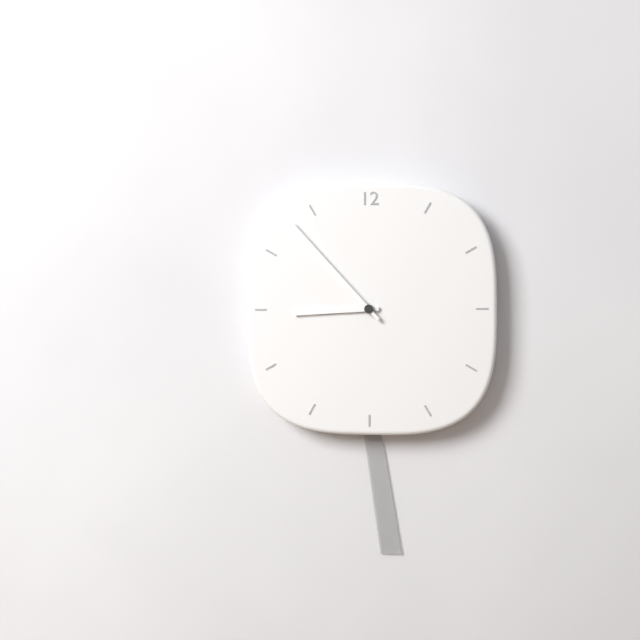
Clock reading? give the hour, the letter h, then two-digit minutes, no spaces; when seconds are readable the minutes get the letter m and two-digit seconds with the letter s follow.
8h53
